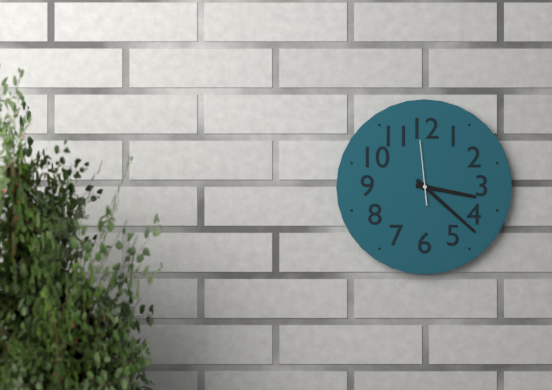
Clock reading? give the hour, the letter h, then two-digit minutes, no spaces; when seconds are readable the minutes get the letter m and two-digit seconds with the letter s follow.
3h22m59s
